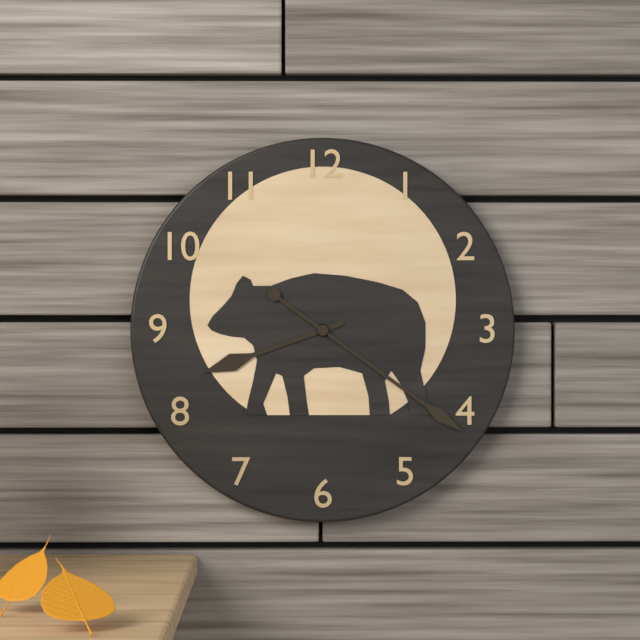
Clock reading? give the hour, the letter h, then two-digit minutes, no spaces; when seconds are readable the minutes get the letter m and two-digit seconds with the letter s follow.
8h21
